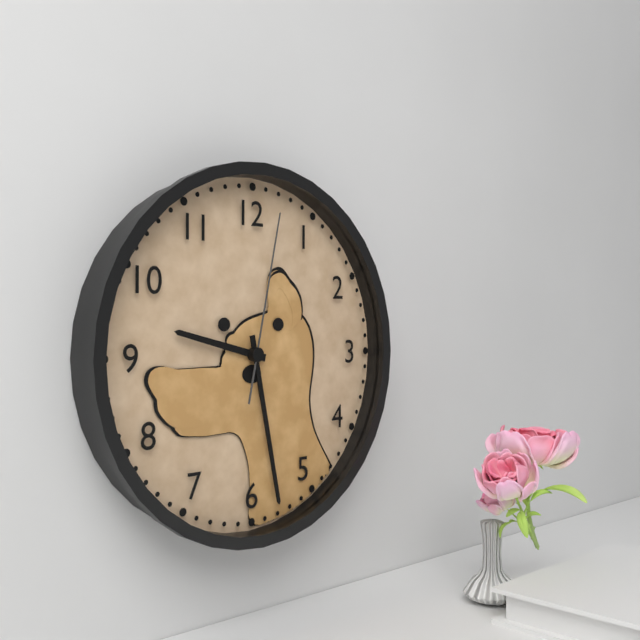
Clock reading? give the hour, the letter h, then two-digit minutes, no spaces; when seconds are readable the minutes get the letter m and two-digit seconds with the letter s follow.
9h28m02s
